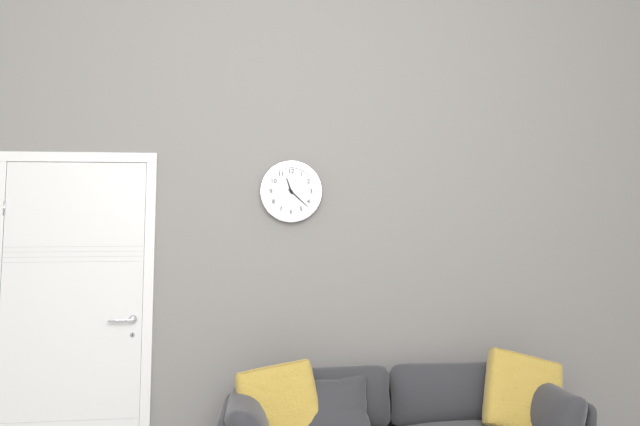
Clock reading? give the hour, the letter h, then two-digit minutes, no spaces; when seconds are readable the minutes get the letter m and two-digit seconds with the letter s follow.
11h22
